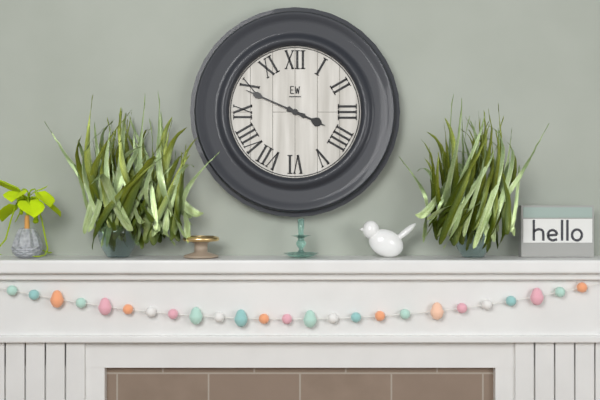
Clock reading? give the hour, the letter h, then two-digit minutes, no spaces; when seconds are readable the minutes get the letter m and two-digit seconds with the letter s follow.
3h49
